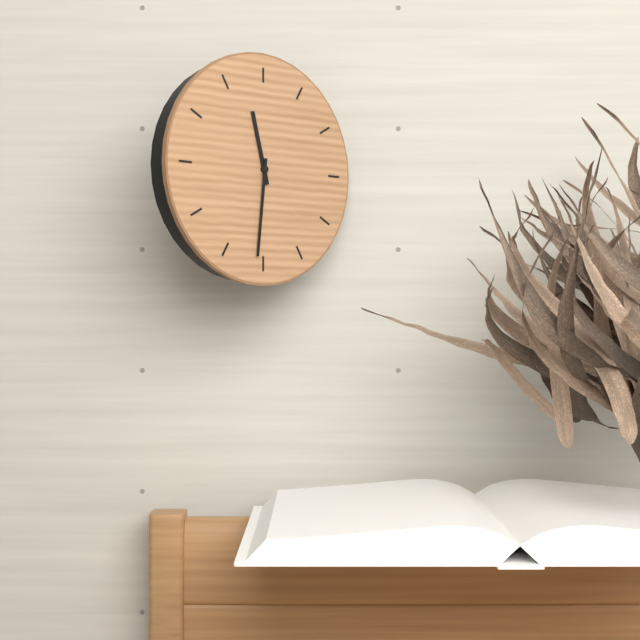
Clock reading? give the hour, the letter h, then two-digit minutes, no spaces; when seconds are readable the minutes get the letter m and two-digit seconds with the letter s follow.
11h31
